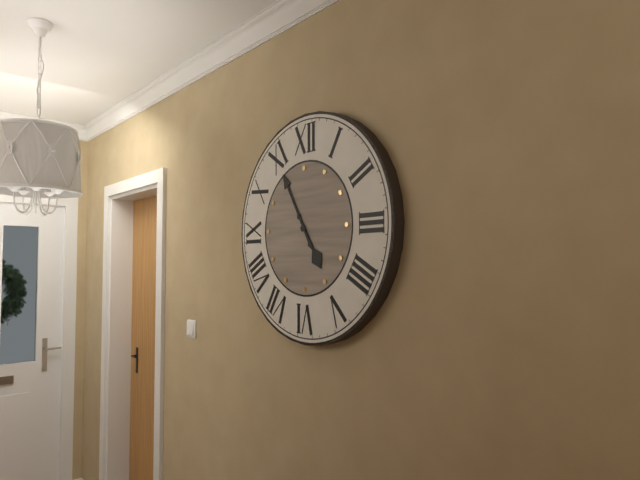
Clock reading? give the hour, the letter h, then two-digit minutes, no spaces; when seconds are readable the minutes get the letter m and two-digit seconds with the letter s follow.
4h55
